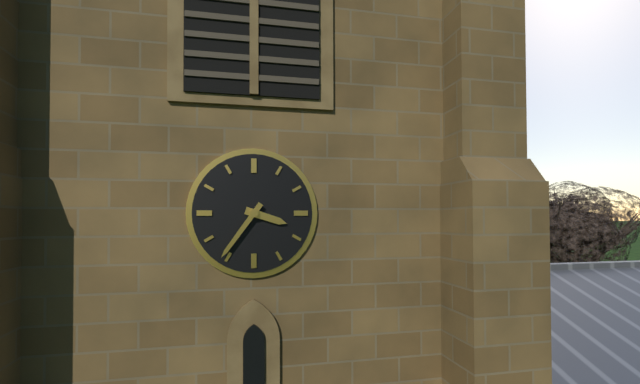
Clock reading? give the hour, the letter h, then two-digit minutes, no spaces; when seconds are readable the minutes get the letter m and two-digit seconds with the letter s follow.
3h36
